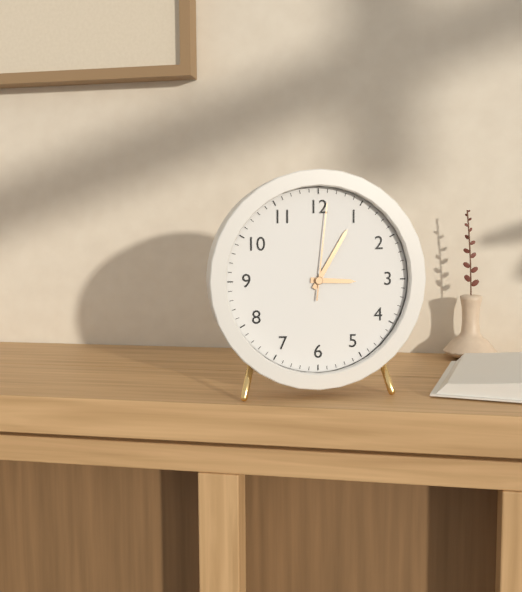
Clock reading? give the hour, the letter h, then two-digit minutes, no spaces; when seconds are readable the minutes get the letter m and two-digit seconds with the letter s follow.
3h05m01s
